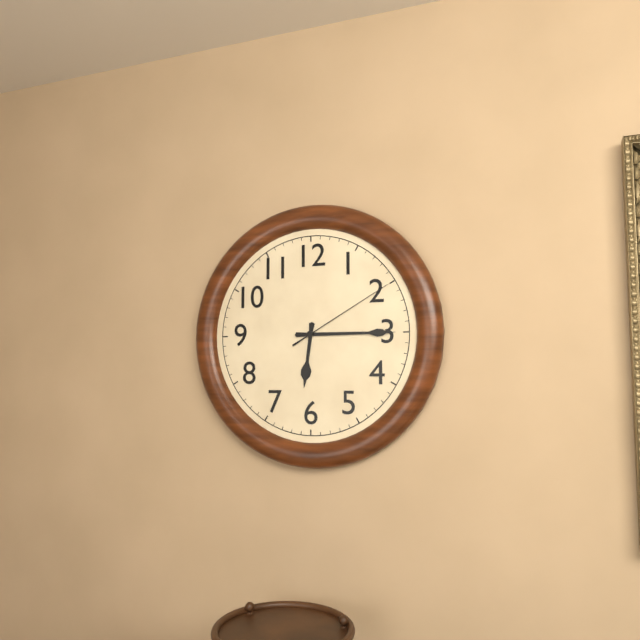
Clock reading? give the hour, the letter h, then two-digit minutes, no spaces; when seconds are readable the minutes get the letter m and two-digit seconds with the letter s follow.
6h15m10s
